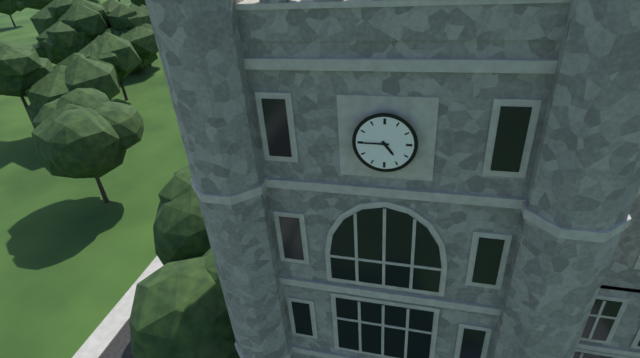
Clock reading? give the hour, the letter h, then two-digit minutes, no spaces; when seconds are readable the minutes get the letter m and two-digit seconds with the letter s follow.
4h45
